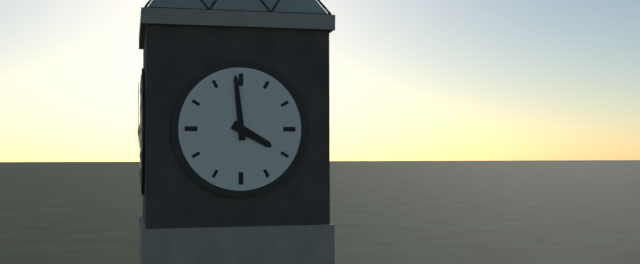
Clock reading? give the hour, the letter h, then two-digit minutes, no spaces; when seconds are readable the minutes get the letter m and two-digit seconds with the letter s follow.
3h59
